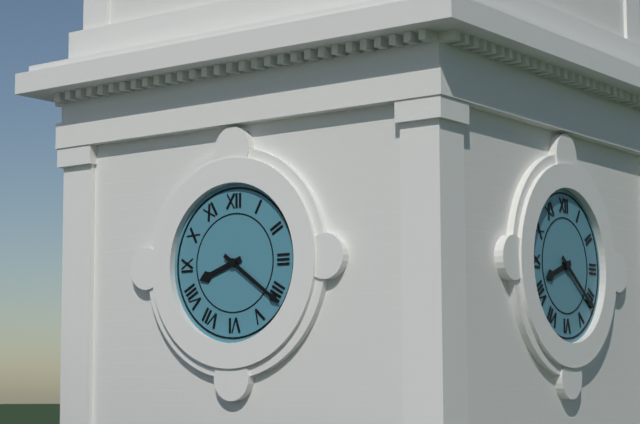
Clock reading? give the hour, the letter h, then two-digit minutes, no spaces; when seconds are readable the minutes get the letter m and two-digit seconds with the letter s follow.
8h21
